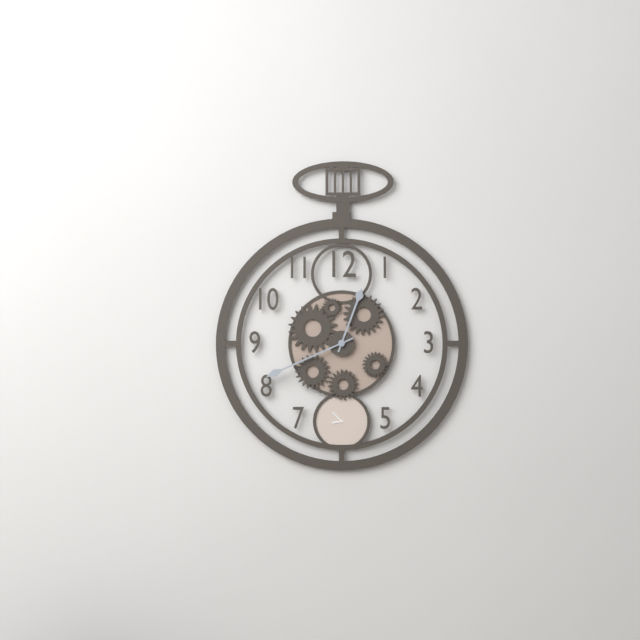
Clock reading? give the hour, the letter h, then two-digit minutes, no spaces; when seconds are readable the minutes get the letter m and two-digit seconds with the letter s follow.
12h41
